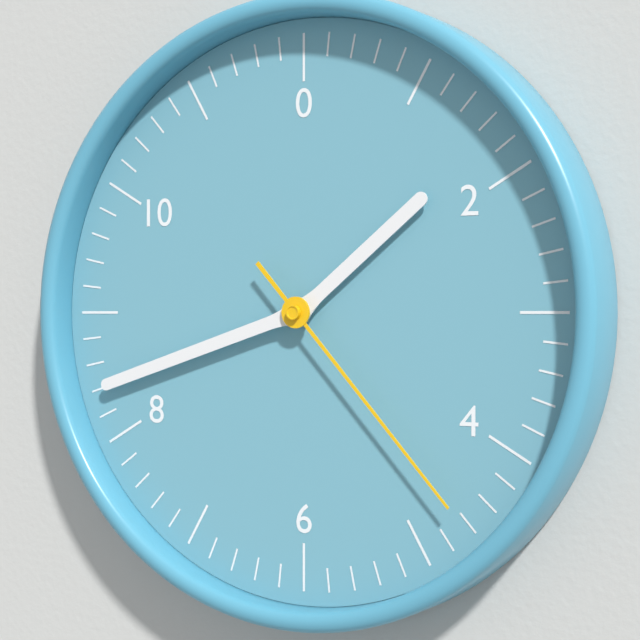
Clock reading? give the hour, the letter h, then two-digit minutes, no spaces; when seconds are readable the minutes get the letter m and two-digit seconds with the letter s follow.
1h42m23s
